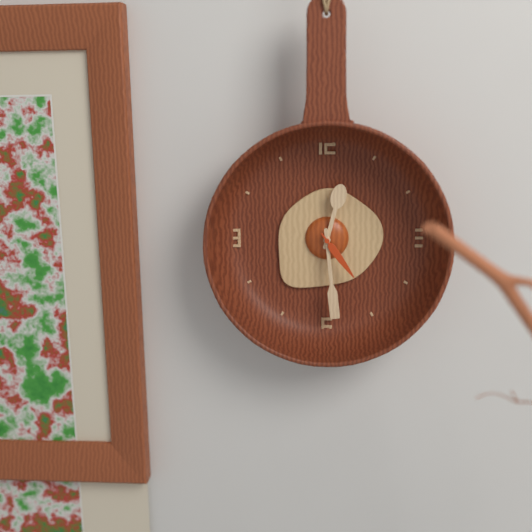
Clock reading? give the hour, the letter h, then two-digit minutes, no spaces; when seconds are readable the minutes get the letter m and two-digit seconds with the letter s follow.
12h29m24s
